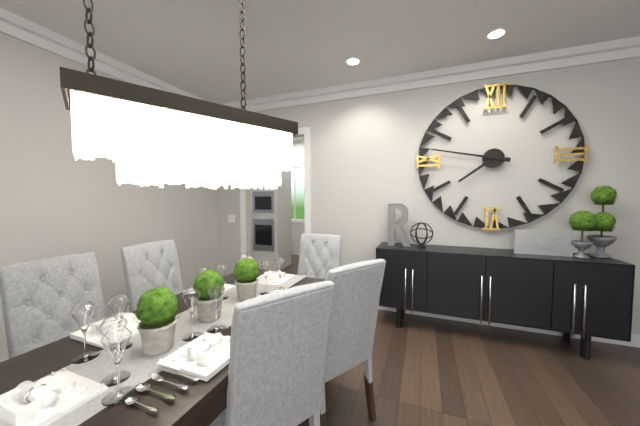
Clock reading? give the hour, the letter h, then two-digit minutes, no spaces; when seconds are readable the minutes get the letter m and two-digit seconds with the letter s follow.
7h47
